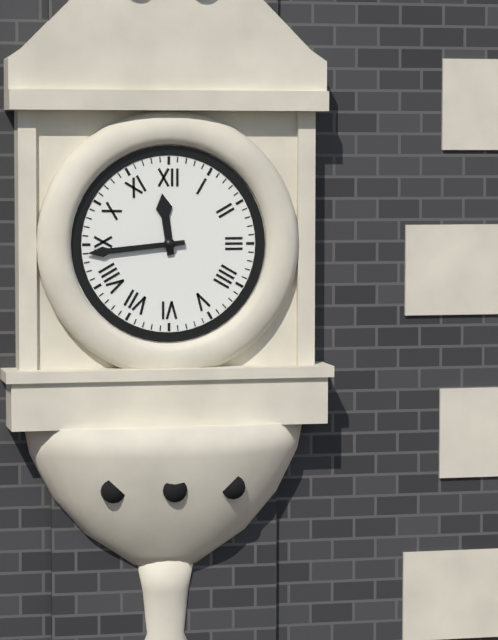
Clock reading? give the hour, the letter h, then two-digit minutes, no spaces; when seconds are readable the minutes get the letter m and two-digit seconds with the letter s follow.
11h44
